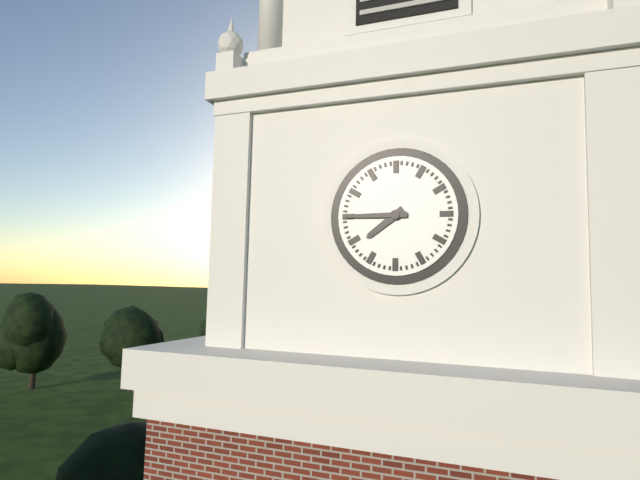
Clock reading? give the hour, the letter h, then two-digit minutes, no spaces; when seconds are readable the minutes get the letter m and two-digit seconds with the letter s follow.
7h45
